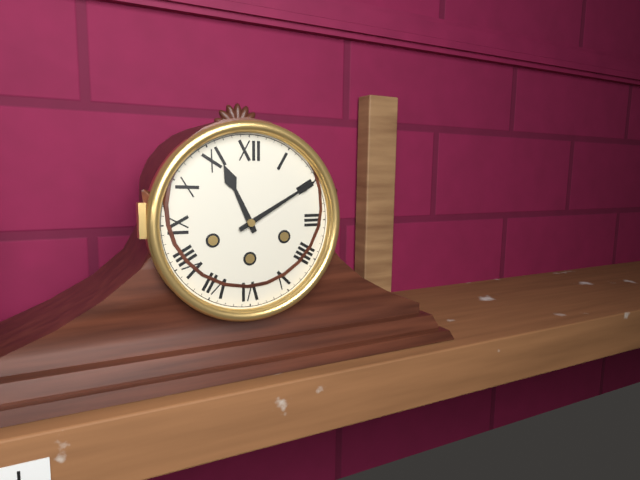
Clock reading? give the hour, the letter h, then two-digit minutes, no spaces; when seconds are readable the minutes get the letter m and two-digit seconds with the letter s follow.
11h10
